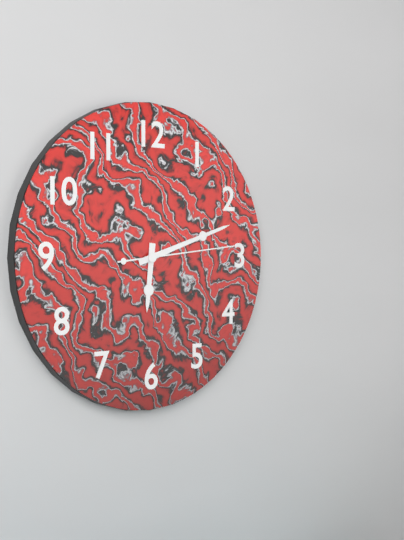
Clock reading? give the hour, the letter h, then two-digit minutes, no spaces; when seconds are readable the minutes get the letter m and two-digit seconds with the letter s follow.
6h12m14s
